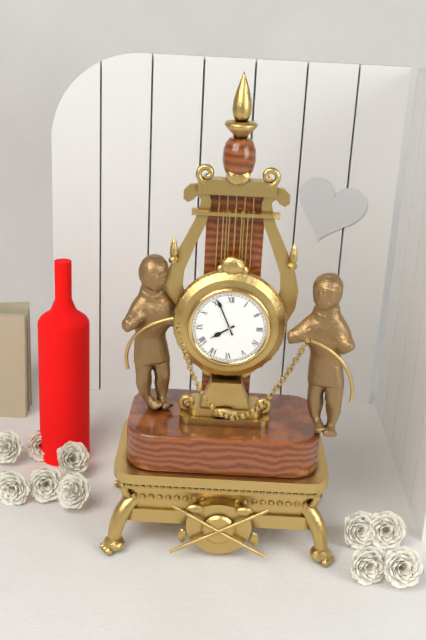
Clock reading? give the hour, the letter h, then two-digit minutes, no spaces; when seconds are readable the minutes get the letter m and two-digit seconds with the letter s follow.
7h56
